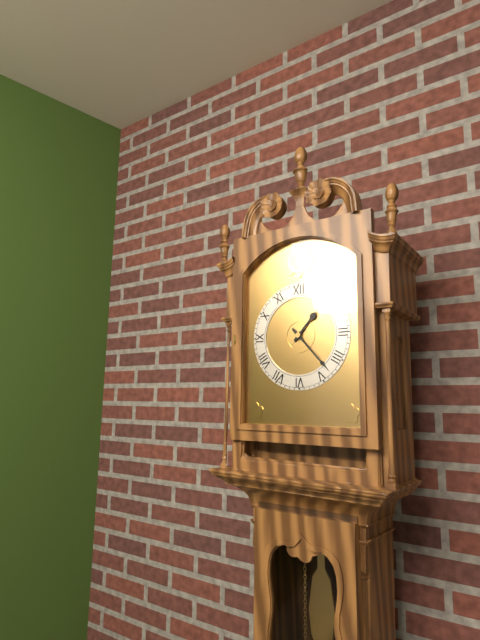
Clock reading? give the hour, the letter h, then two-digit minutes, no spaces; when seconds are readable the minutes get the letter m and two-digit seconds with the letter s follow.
1h23
